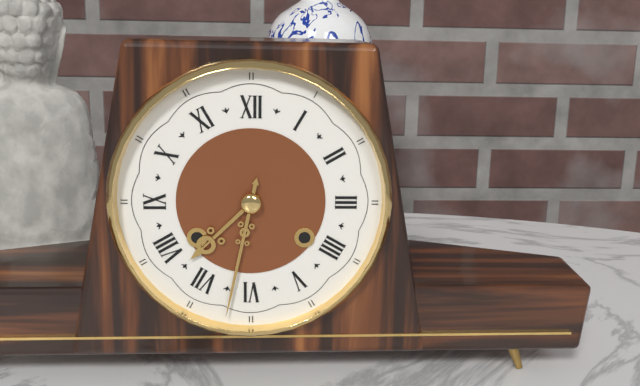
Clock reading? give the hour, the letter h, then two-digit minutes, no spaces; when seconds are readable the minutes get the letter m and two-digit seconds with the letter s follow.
7h32
